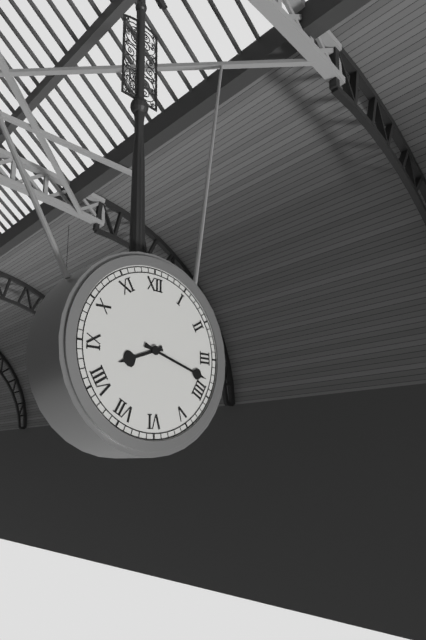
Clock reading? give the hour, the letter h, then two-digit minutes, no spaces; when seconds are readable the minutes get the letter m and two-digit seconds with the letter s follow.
8h18
